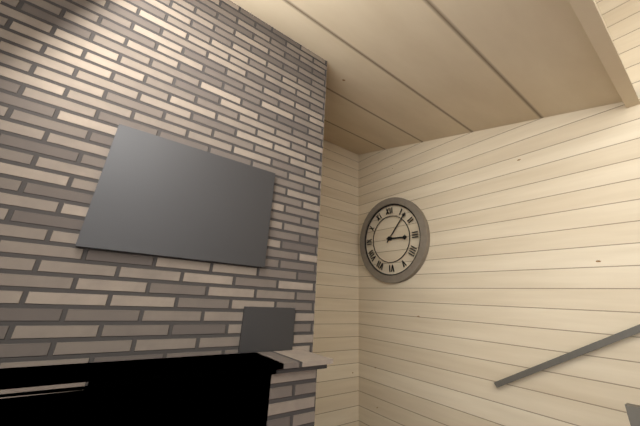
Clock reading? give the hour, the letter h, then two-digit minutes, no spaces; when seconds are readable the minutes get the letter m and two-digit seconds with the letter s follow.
3h07
